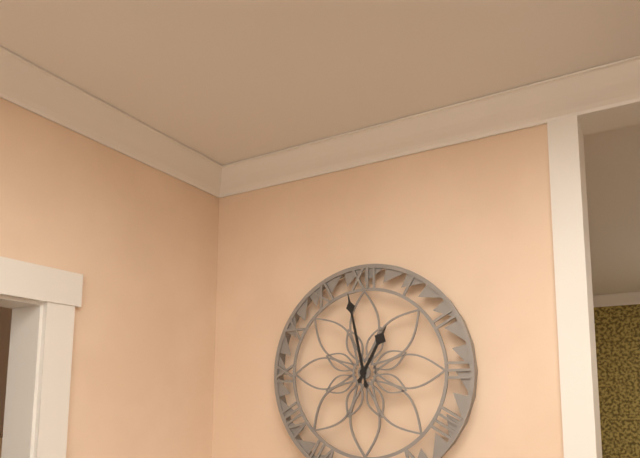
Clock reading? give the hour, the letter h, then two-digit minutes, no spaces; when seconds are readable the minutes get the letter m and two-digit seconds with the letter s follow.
12h58
